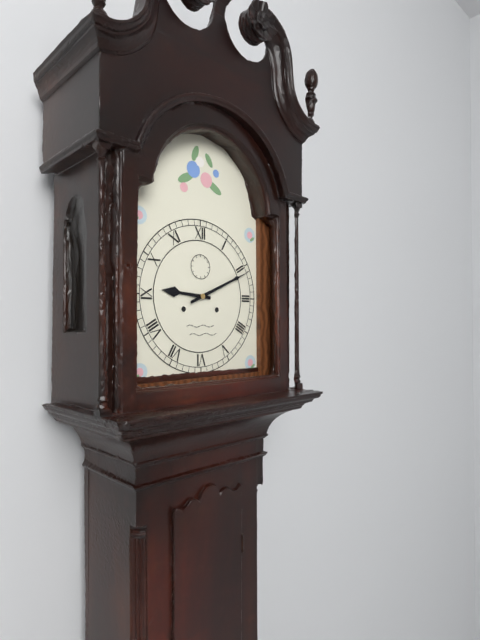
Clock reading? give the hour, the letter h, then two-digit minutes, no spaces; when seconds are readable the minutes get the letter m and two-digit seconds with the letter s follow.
9h11
